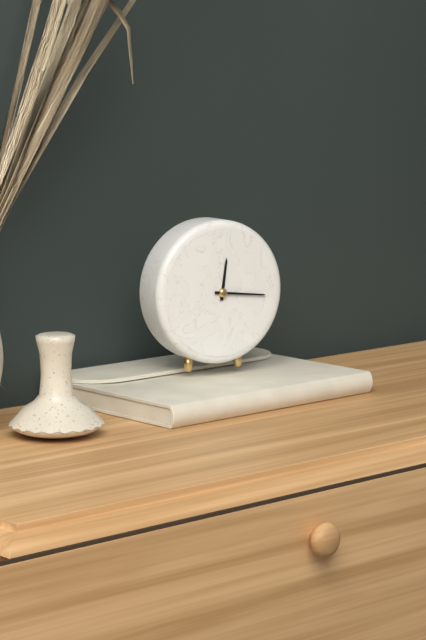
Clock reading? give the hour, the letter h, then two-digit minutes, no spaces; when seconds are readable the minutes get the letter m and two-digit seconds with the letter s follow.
12h16
